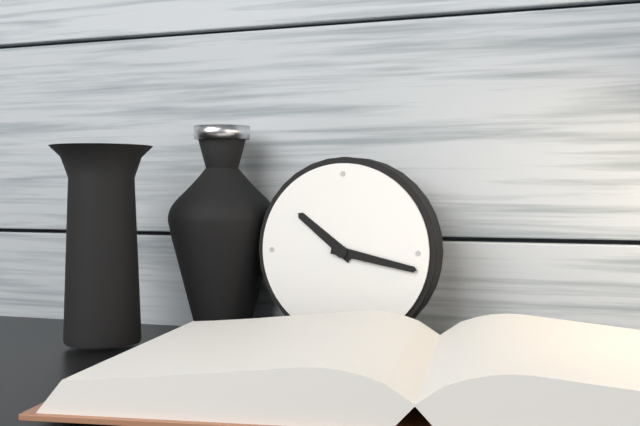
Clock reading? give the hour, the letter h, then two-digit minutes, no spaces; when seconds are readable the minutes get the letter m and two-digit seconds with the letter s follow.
10h17
